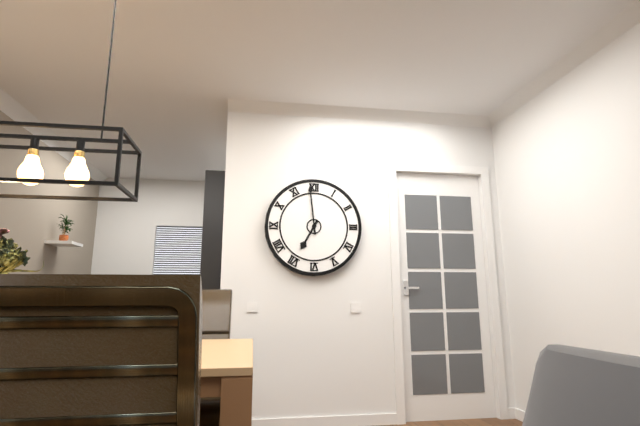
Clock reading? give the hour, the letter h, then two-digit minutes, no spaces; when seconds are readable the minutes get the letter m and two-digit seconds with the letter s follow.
6h59
